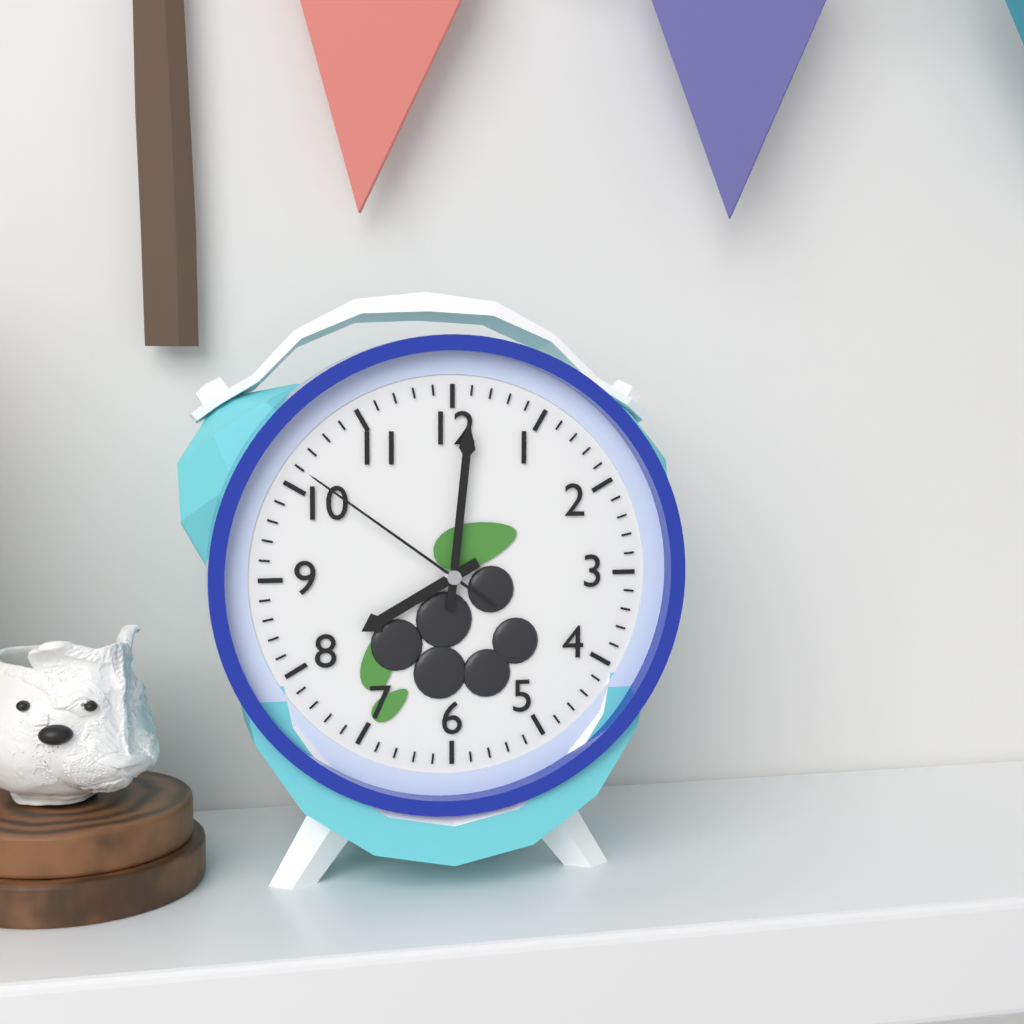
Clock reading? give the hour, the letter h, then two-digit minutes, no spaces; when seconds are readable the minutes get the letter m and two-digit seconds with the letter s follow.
8h01m51s
